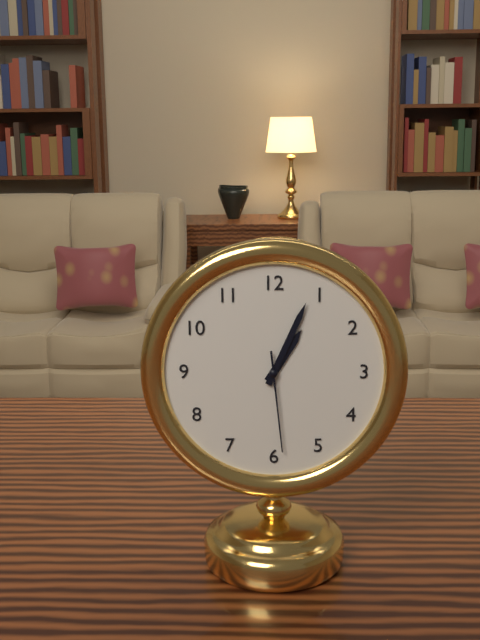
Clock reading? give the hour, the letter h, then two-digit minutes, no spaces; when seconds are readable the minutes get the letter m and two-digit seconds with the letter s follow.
1h04m29s
